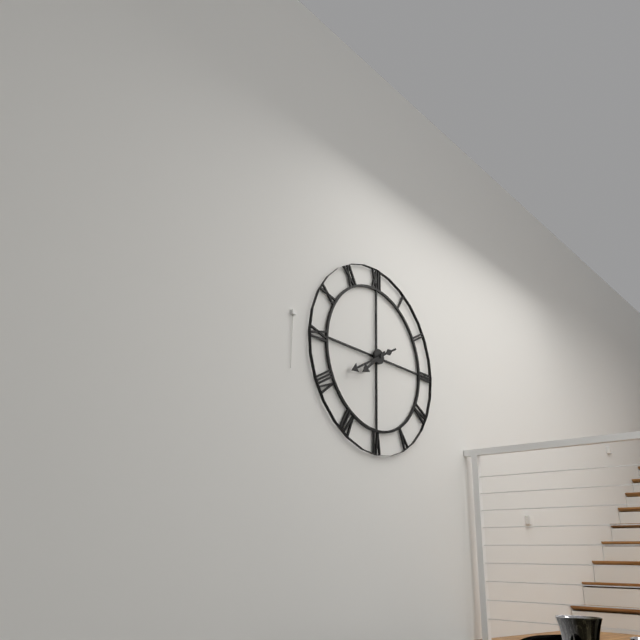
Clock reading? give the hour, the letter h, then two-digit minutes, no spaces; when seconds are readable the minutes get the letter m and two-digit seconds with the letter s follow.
7h40
